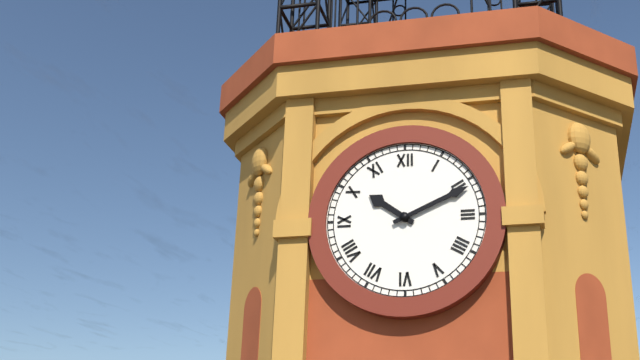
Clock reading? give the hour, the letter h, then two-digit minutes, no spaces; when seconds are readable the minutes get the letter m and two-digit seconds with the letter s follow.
10h11
